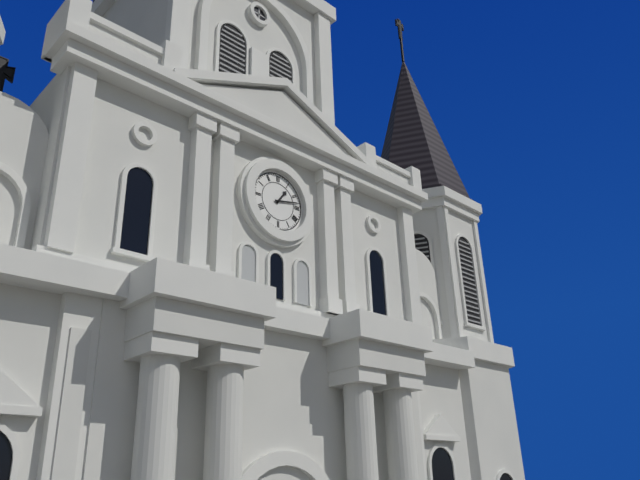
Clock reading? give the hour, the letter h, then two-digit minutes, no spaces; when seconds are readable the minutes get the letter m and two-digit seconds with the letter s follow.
1h13
